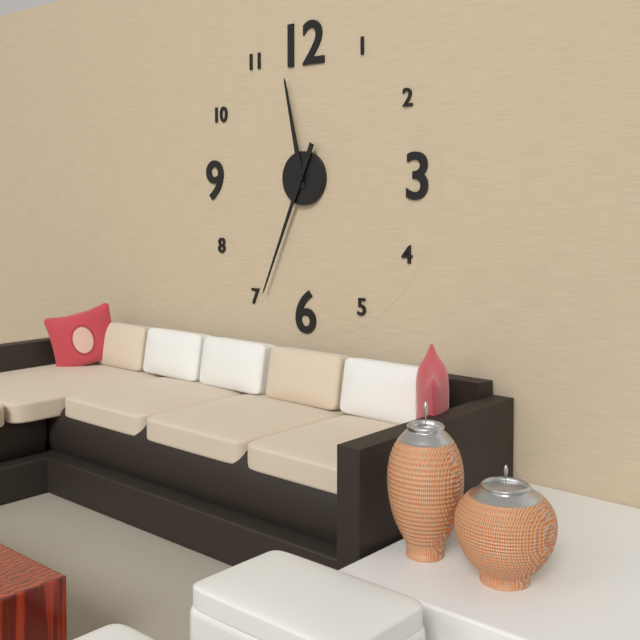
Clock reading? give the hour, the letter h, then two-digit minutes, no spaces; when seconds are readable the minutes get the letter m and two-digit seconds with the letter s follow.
11h34
